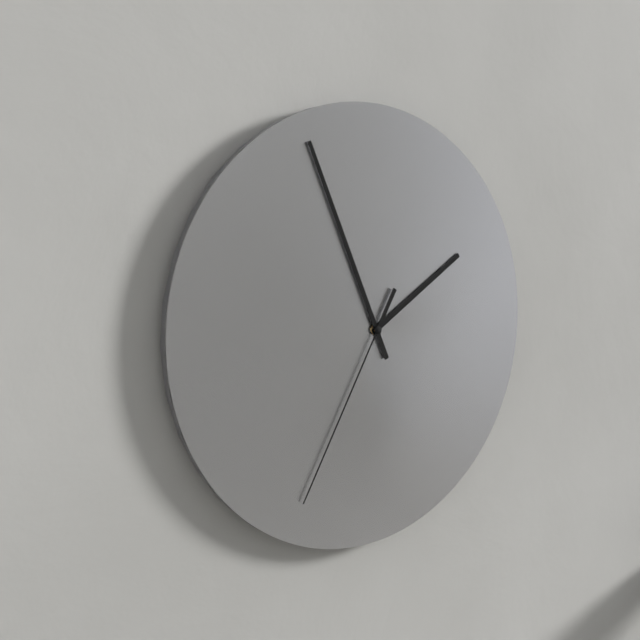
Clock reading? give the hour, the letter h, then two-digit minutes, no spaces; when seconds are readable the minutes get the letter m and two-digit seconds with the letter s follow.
1h56m35s
